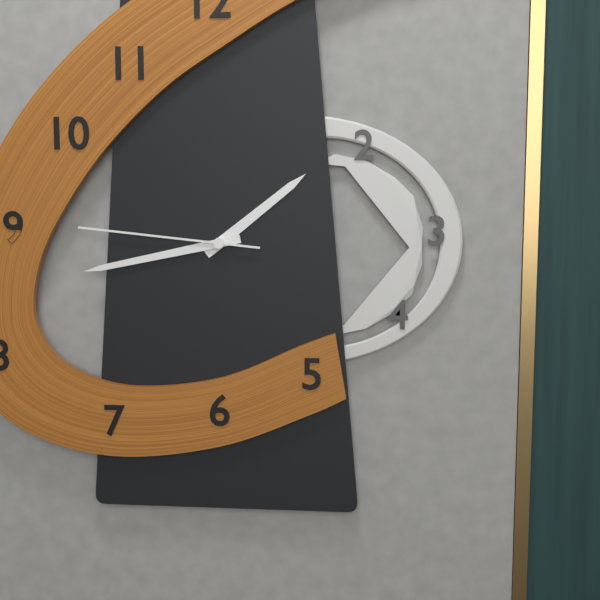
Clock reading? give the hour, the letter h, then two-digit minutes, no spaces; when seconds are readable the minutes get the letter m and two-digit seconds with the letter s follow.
1h43m46s
